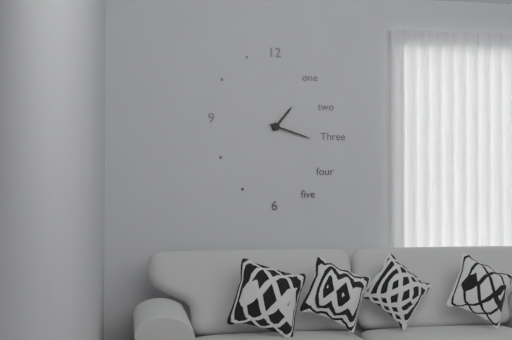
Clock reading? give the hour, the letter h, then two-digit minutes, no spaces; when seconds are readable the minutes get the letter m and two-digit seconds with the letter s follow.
1h18
